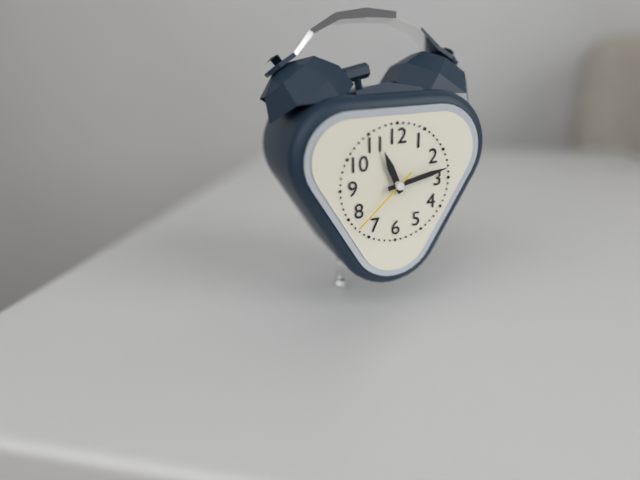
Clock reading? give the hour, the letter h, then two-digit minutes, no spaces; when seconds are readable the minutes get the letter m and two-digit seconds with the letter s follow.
11h13m38s
